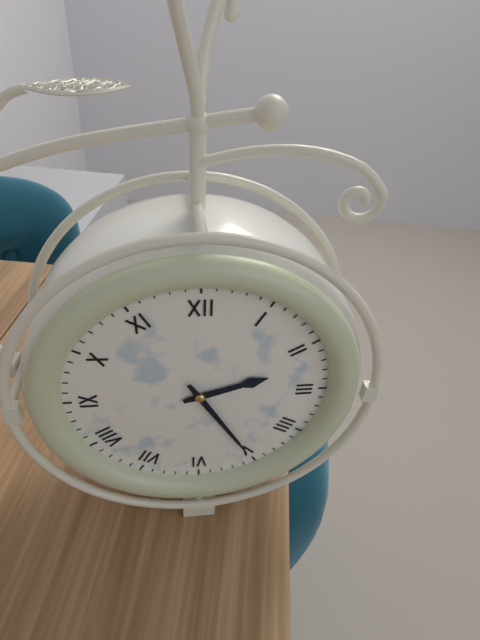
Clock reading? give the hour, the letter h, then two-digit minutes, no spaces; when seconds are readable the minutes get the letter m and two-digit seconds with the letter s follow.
2h25
